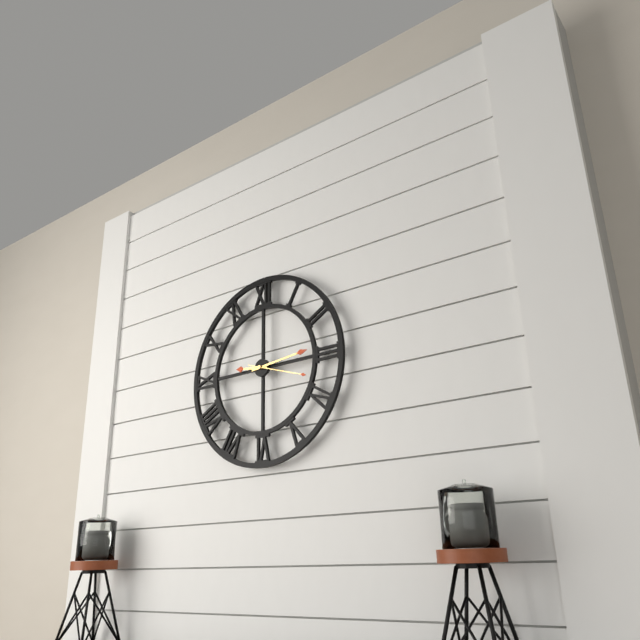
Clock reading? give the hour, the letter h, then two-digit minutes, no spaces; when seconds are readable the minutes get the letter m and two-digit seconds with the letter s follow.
9h14m18s
